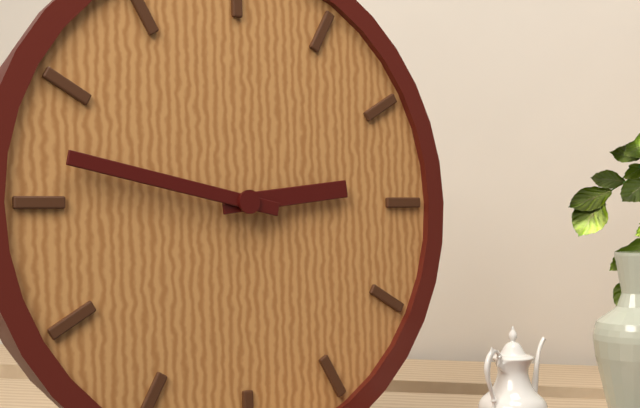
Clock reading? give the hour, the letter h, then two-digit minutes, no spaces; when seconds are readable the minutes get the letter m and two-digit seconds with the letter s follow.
2h47
